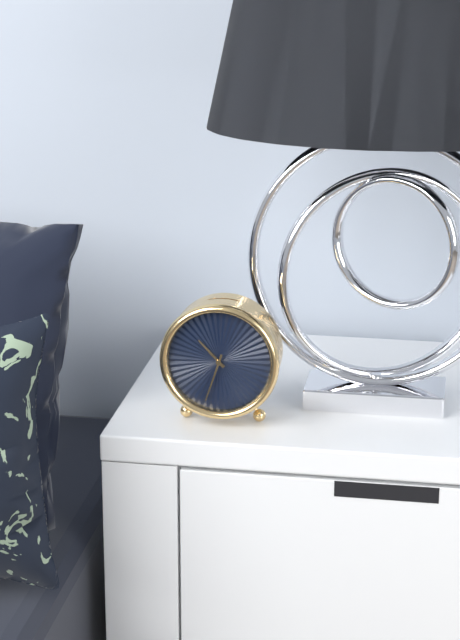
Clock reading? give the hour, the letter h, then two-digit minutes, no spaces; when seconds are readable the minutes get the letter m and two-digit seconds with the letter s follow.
10h33
